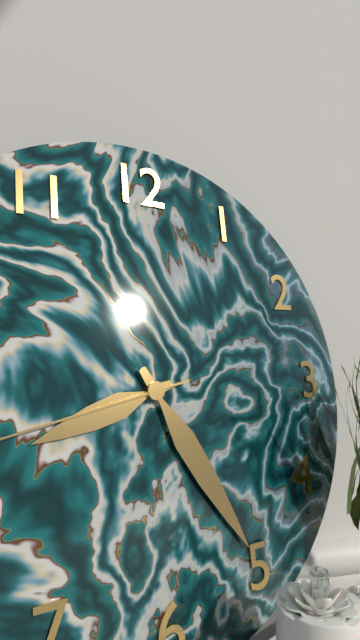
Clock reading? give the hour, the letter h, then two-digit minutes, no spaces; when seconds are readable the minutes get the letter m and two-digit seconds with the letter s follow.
8h25
